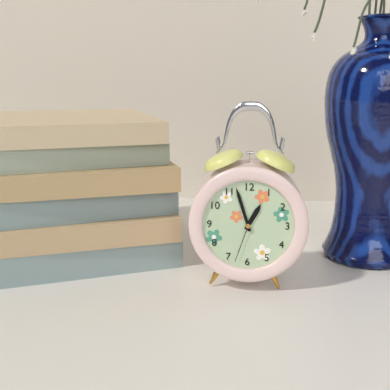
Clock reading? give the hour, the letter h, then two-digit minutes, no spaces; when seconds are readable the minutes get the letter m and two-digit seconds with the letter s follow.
12h57
